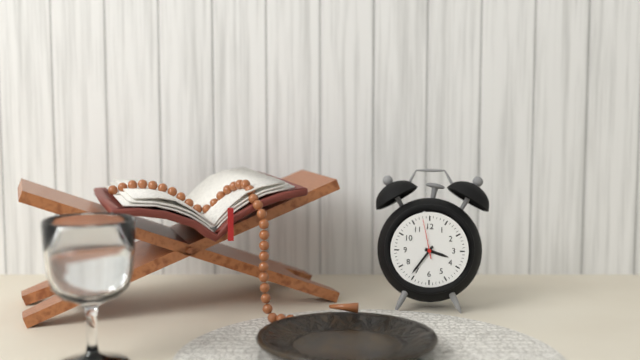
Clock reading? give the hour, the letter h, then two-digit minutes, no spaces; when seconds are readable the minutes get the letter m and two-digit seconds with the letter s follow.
3h36
